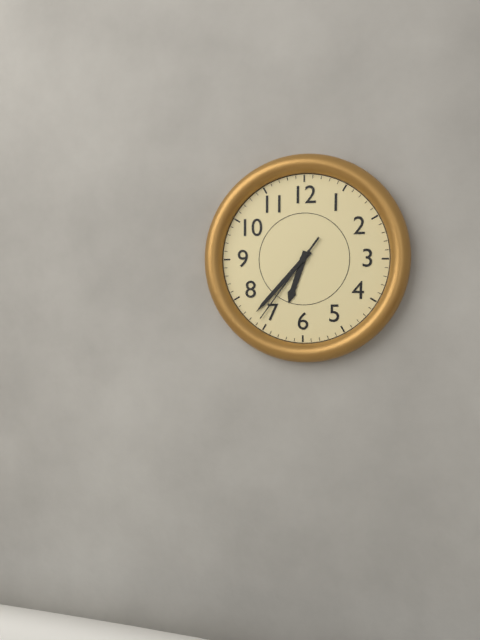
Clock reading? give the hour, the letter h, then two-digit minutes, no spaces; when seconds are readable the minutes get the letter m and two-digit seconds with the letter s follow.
6h37m36s
